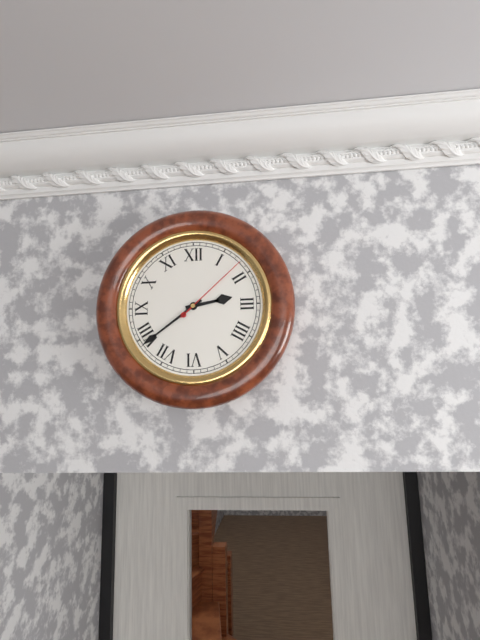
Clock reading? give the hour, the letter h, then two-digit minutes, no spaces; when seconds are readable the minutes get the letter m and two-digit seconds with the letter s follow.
2h39m08s
